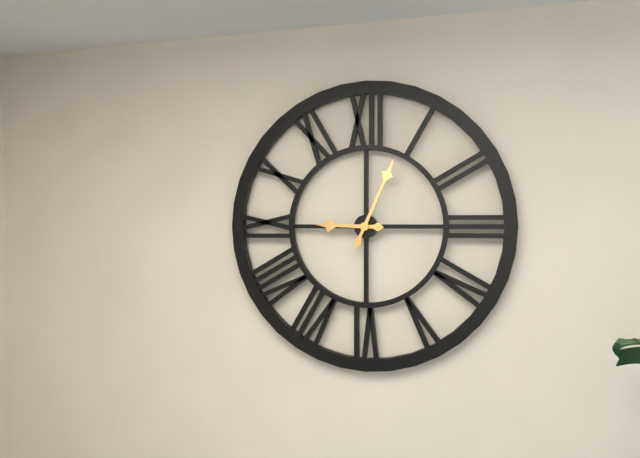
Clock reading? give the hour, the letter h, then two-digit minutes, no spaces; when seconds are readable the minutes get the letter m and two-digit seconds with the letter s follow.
9h04
